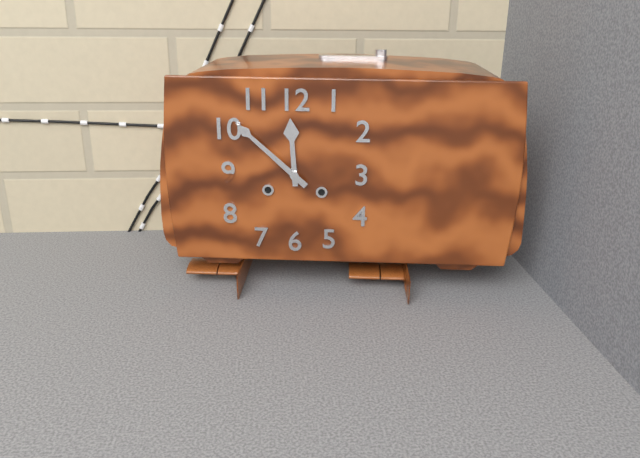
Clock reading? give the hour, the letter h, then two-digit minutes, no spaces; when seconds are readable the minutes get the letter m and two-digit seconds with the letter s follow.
11h52
